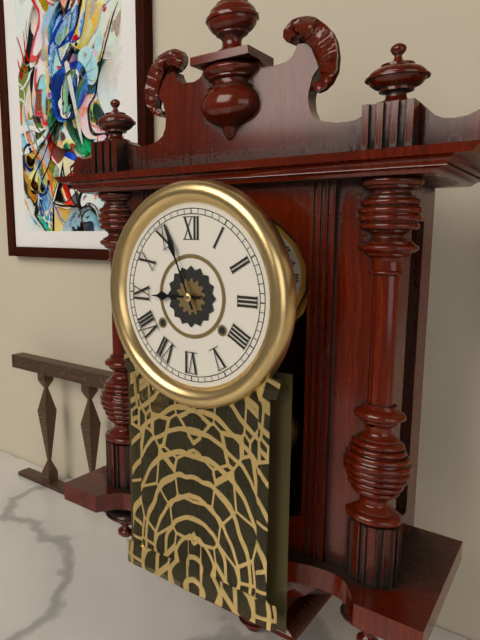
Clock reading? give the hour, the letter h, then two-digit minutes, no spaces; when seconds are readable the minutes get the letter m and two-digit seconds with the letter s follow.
8h56
